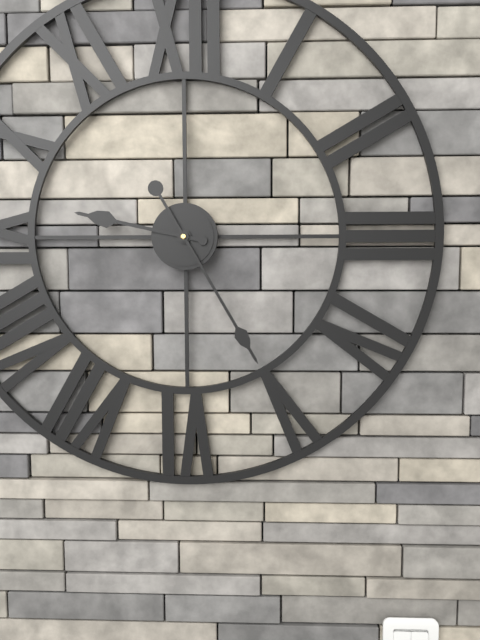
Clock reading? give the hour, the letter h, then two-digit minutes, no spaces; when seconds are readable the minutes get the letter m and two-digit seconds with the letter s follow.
9h25
